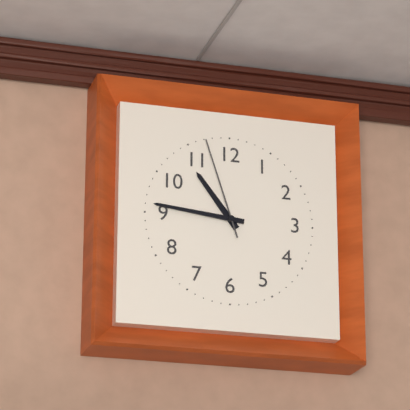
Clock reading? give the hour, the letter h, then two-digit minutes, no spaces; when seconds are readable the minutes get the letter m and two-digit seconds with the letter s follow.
10h46m57s
